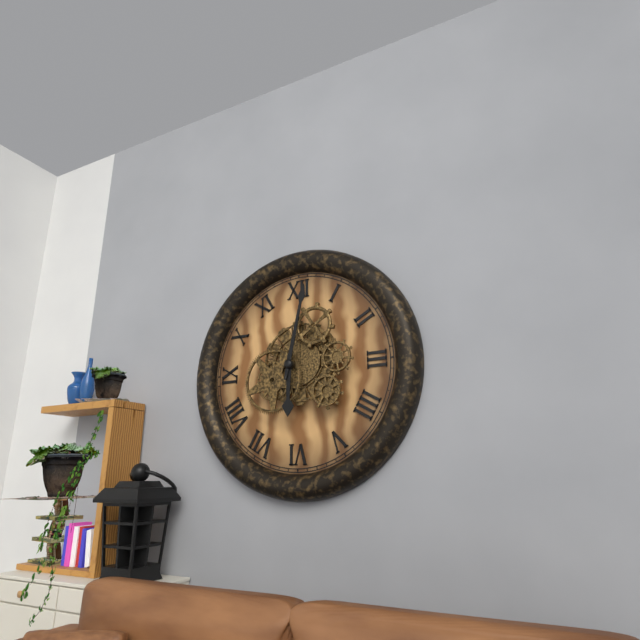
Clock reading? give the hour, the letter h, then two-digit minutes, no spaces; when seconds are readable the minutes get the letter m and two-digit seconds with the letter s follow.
6h02
